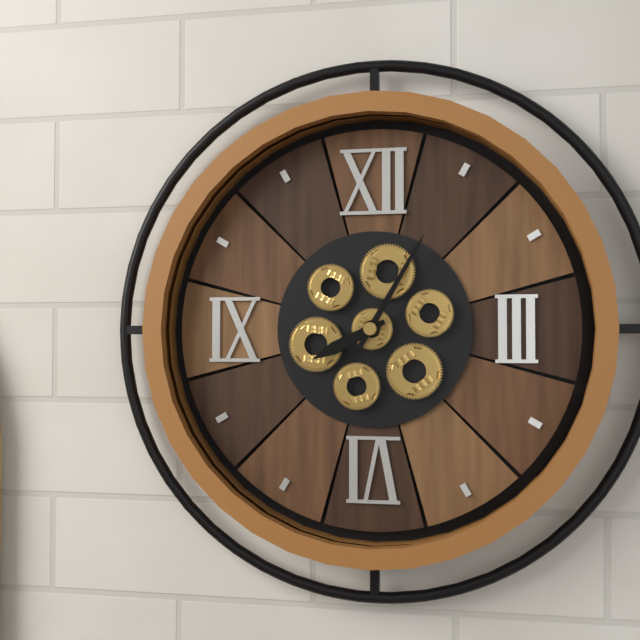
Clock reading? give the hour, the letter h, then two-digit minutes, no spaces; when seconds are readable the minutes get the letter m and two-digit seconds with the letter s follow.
8h05
